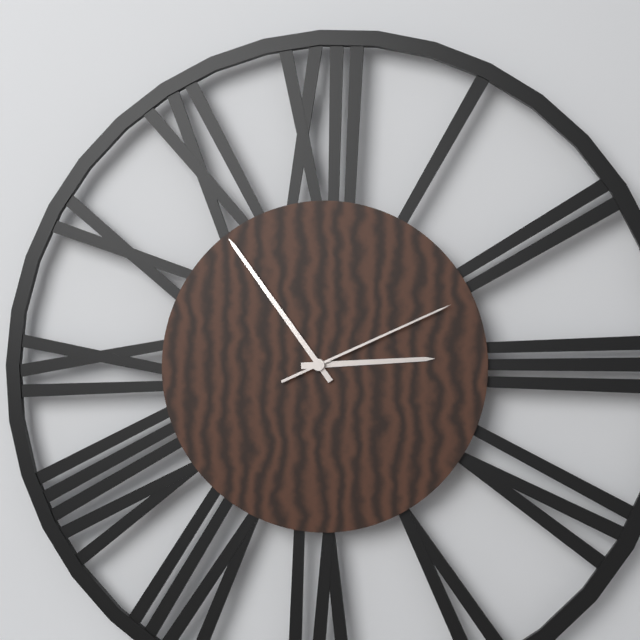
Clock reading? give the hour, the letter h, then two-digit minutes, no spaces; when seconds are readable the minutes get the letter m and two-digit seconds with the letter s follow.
2h54m11s
